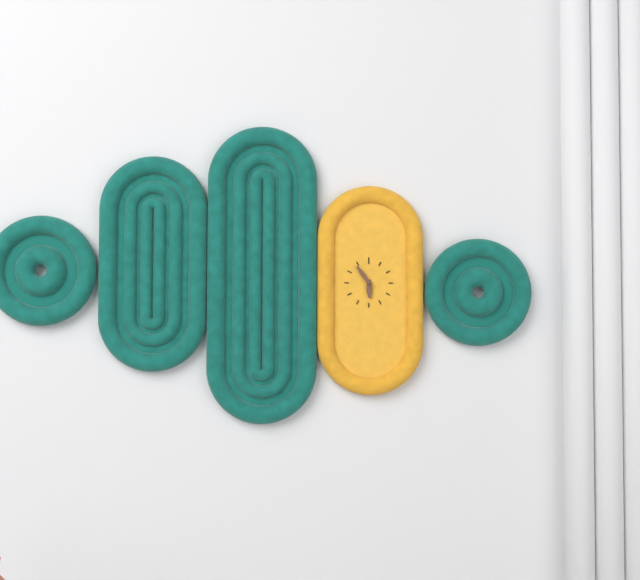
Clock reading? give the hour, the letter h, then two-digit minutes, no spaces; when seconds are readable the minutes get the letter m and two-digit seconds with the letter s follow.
5h54
